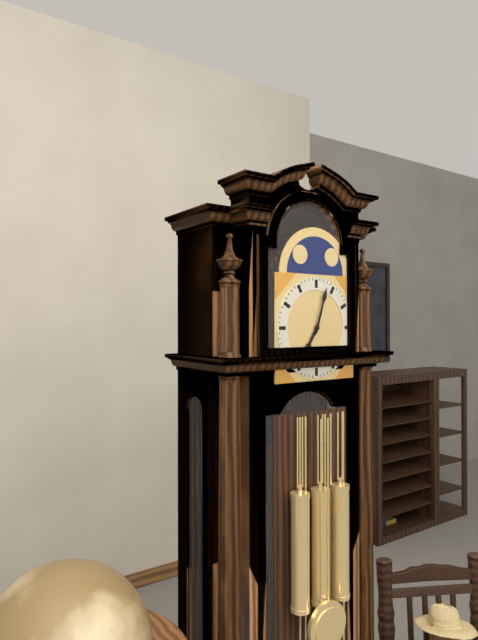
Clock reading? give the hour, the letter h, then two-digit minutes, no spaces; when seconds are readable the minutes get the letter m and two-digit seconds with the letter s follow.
7h03
